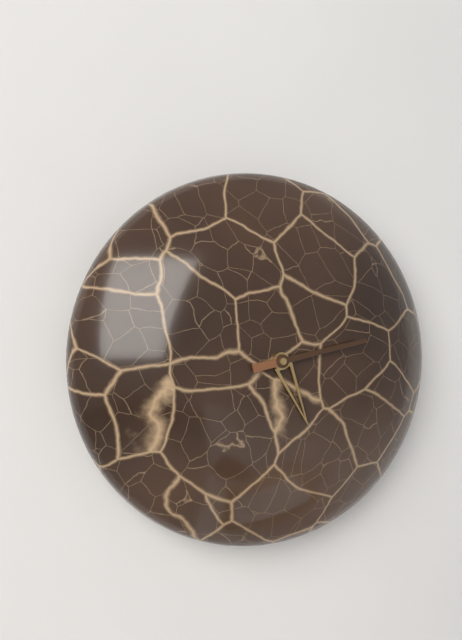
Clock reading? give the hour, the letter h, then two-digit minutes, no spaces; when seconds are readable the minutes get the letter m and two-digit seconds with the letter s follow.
5h13
